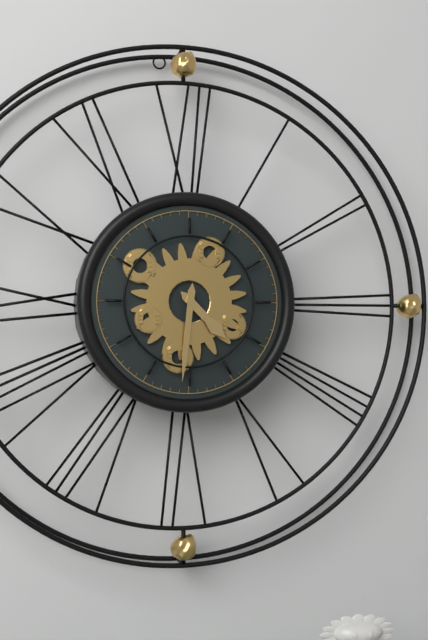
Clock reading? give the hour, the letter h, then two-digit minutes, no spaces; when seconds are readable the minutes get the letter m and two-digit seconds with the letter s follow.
4h31
